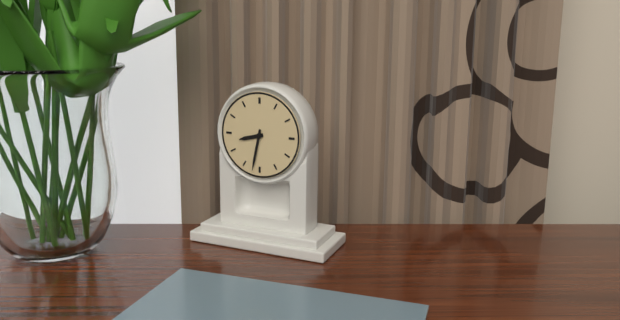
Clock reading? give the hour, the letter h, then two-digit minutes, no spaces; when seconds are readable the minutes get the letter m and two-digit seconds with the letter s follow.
8h32
